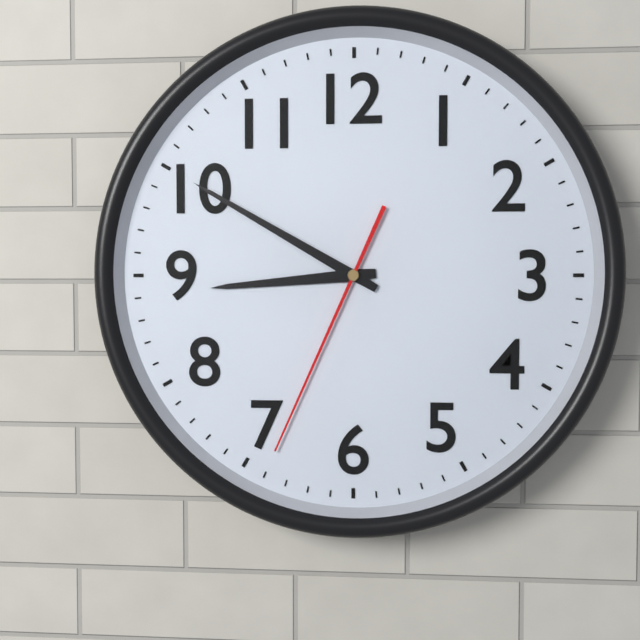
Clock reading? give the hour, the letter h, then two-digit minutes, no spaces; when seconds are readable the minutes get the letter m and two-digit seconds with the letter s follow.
8h50m34s
